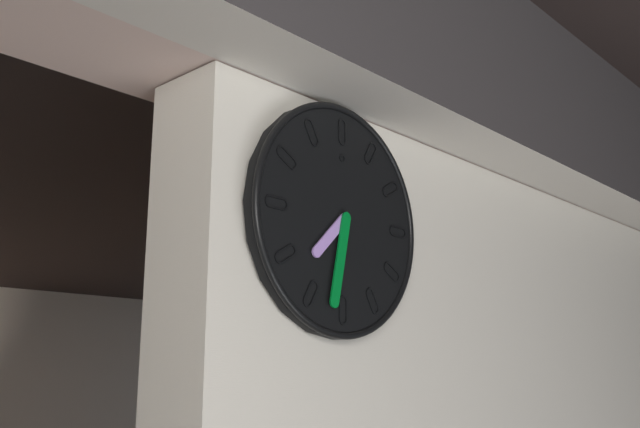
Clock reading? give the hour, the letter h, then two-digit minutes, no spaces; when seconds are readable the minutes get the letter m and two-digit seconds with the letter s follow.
7h32
